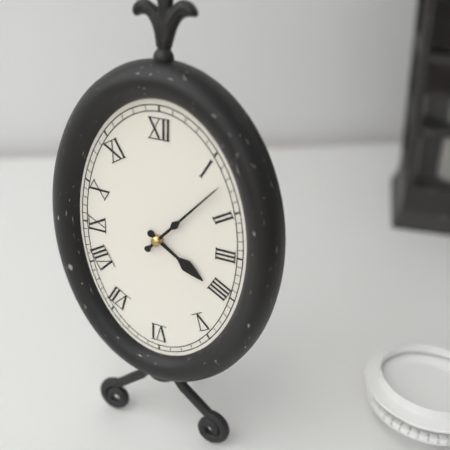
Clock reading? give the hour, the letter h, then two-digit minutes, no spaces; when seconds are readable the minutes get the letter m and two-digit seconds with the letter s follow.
4h07
